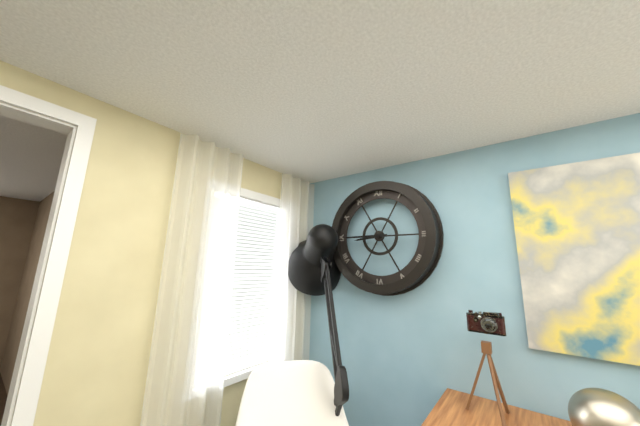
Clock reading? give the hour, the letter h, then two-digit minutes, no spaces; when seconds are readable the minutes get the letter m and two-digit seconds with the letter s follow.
8h45
